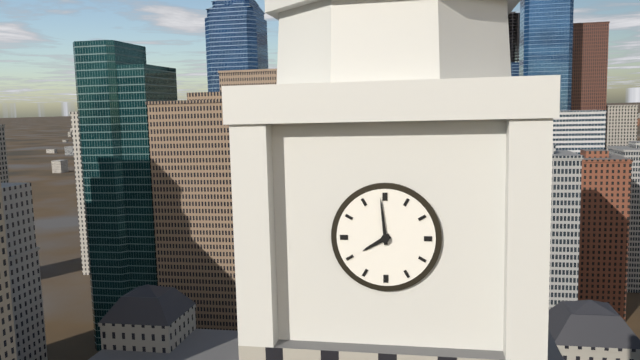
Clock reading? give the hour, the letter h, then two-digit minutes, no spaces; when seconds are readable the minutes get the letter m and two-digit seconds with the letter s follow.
7h59
